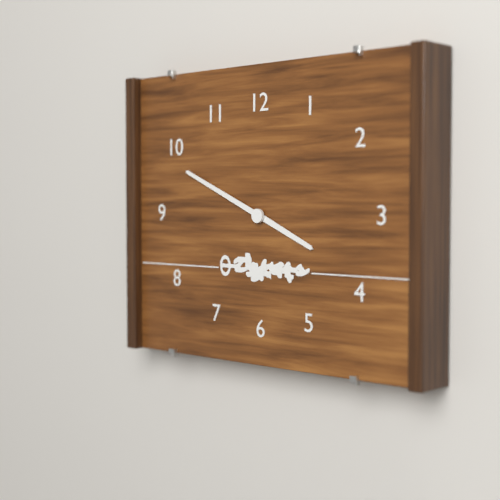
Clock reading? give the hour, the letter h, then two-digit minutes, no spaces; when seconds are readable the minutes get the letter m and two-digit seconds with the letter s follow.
3h49
